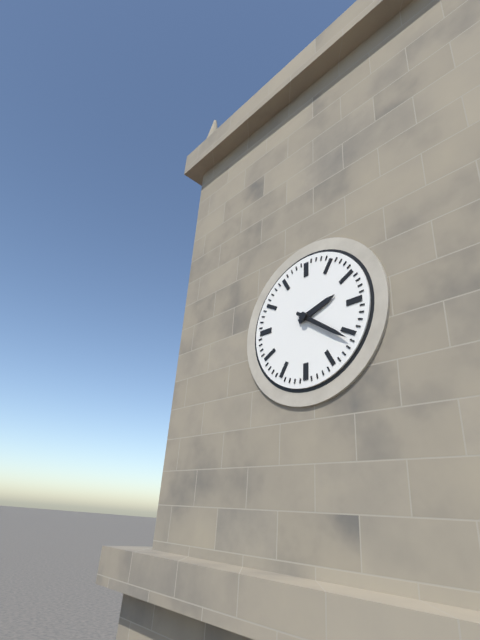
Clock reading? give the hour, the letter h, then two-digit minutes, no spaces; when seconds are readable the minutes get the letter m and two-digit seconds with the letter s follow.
2h21
